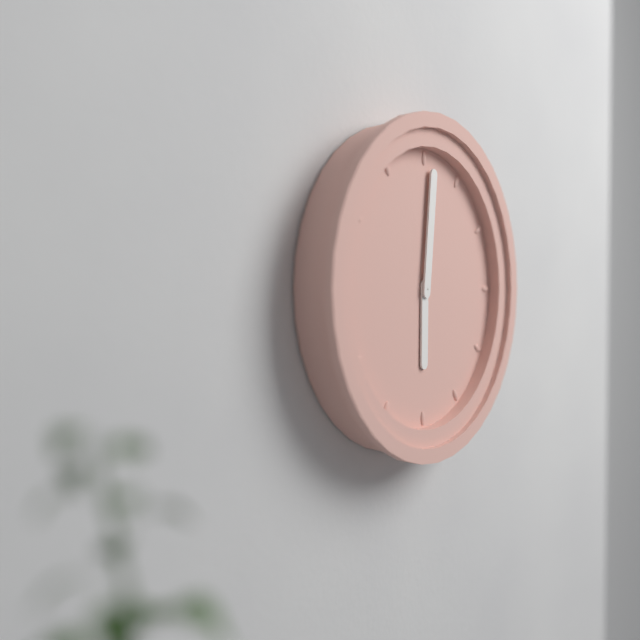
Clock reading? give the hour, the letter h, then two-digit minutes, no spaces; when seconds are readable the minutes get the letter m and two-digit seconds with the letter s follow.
6h01
